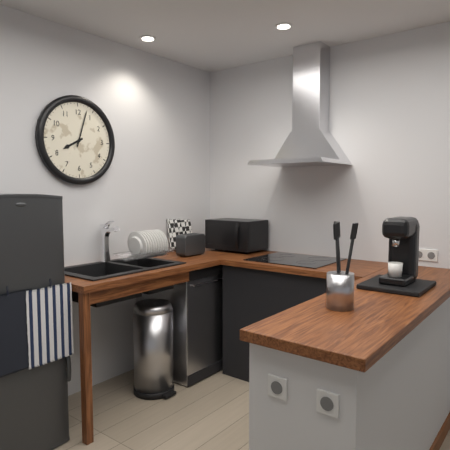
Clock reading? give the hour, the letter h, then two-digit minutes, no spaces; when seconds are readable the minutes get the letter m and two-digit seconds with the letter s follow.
8h03
